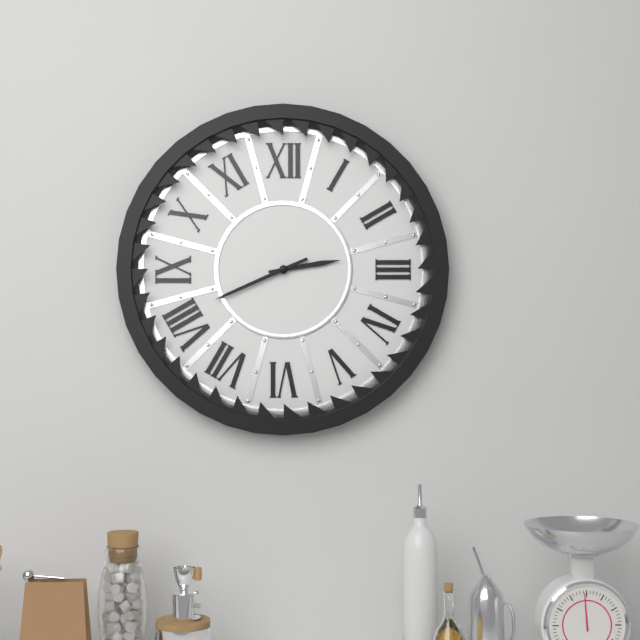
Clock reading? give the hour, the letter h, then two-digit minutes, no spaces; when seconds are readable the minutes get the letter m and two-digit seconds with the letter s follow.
2h41
